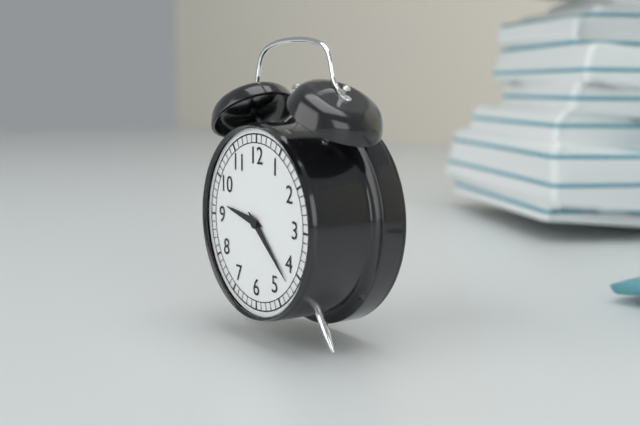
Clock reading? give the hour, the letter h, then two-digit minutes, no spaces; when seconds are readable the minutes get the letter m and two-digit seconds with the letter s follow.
9h22
